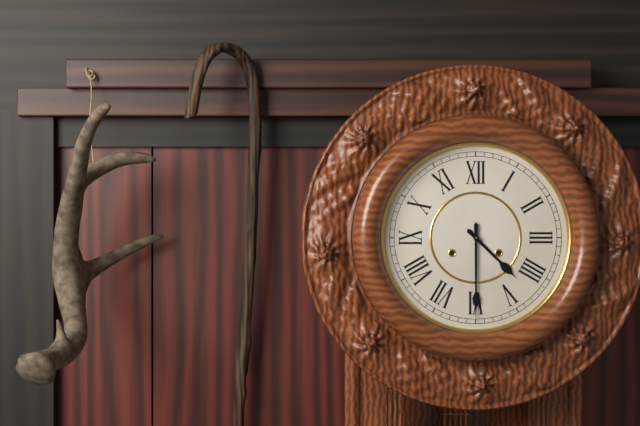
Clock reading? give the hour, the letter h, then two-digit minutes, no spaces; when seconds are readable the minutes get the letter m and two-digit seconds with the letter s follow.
4h30
